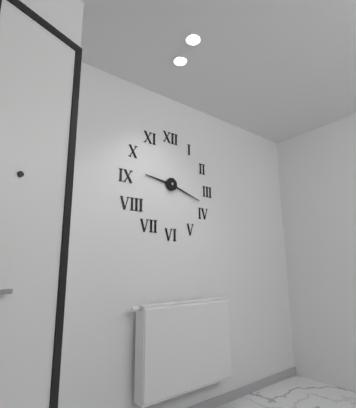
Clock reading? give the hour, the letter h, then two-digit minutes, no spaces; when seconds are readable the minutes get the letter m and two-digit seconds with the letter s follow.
9h18
